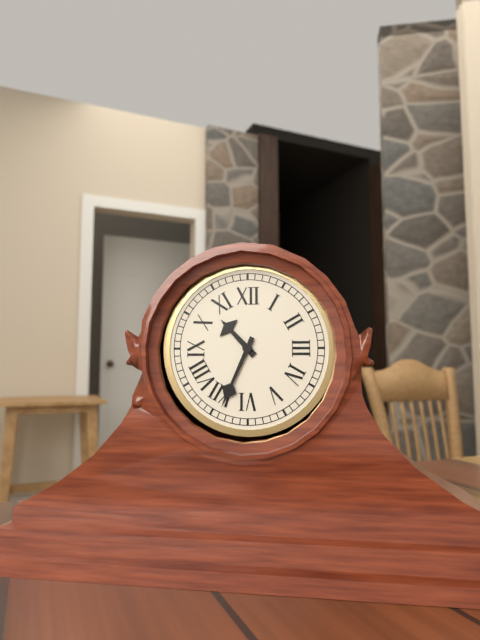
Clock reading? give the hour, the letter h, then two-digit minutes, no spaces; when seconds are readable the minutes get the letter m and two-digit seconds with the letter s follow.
10h34
